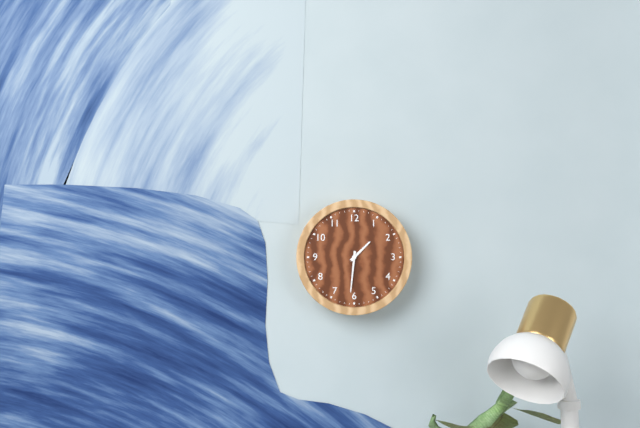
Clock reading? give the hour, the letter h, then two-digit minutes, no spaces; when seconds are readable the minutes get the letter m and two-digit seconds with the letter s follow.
1h31
